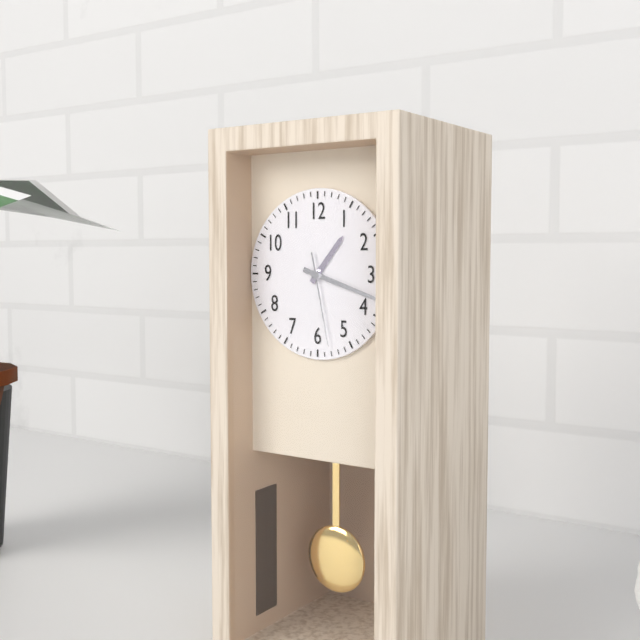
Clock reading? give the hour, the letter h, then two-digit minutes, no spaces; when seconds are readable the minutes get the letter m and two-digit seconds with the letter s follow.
1h18m28s
